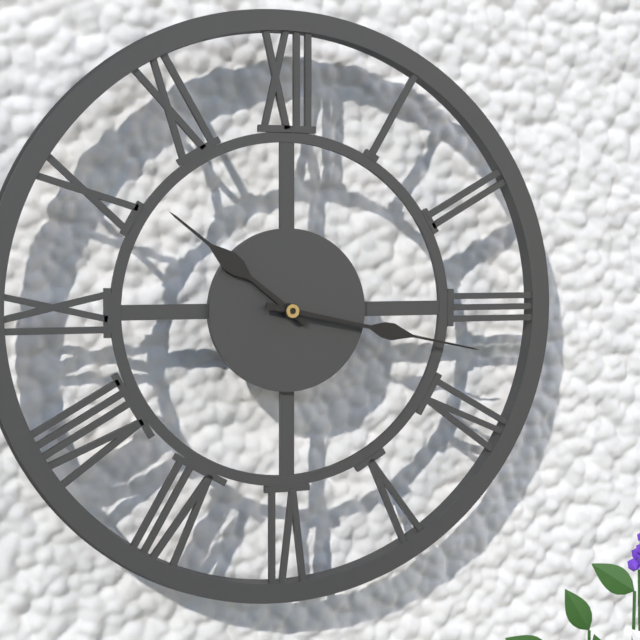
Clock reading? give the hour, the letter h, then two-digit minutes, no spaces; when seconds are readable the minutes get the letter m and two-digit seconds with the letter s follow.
10h17
